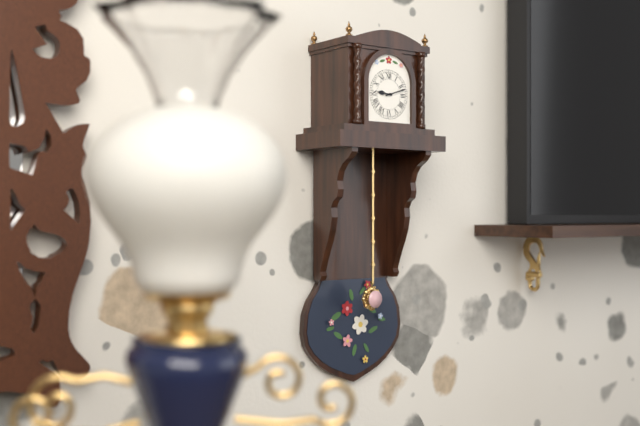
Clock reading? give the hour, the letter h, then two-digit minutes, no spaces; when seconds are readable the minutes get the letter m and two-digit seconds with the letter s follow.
9h12
